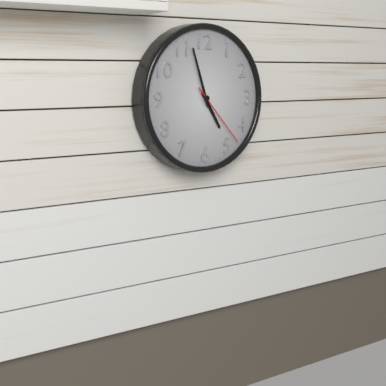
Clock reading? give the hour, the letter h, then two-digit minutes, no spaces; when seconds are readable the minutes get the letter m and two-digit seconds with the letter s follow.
4h57m23s
